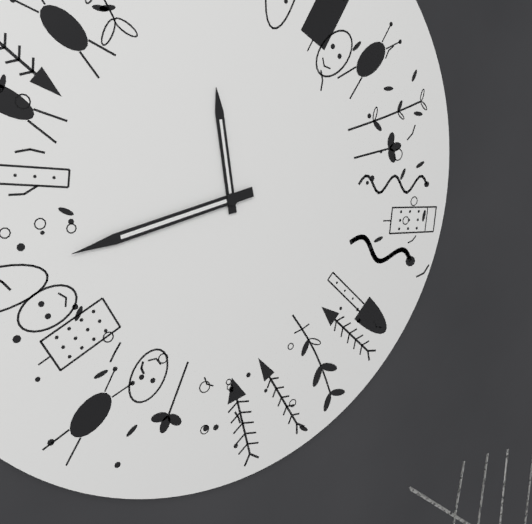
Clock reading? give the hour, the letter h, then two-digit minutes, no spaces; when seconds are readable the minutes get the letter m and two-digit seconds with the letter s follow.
11h43
